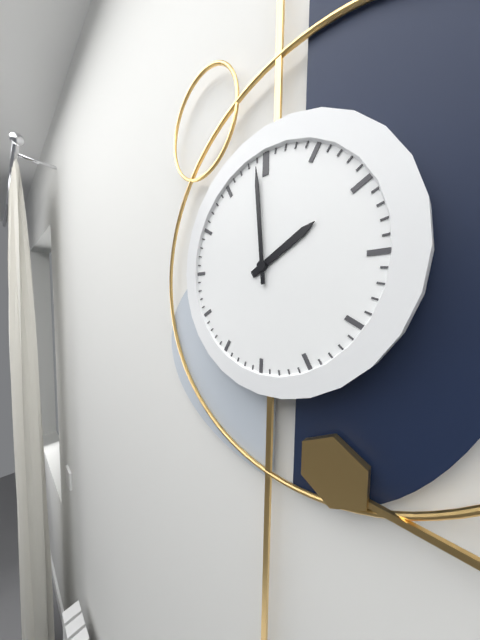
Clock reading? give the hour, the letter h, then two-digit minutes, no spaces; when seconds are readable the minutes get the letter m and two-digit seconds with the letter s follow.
1h59
